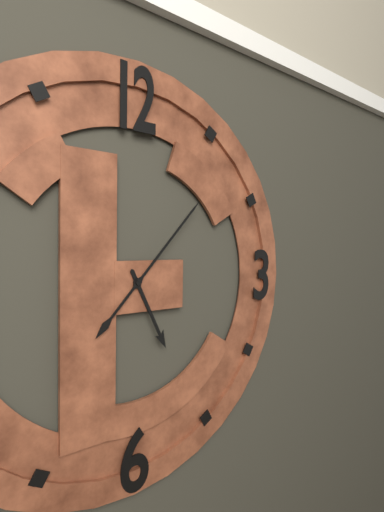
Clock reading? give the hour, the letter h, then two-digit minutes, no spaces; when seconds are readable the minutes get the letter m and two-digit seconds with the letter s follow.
5h07
